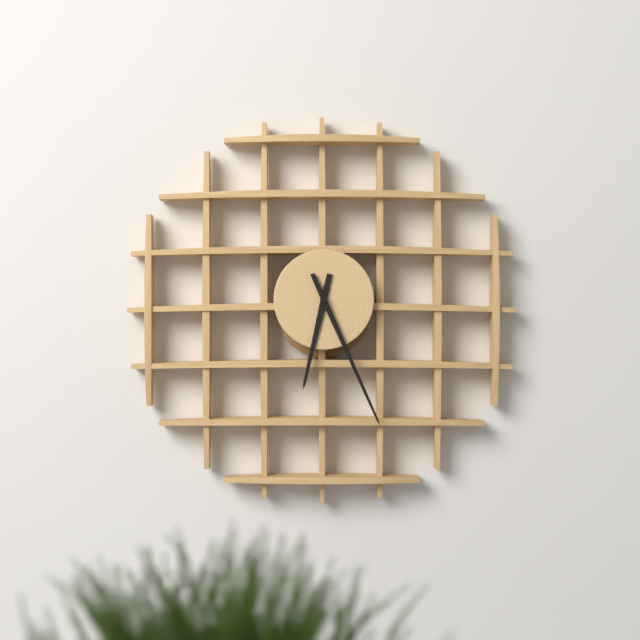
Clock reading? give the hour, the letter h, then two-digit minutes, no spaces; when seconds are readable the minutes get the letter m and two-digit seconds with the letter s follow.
6h26
